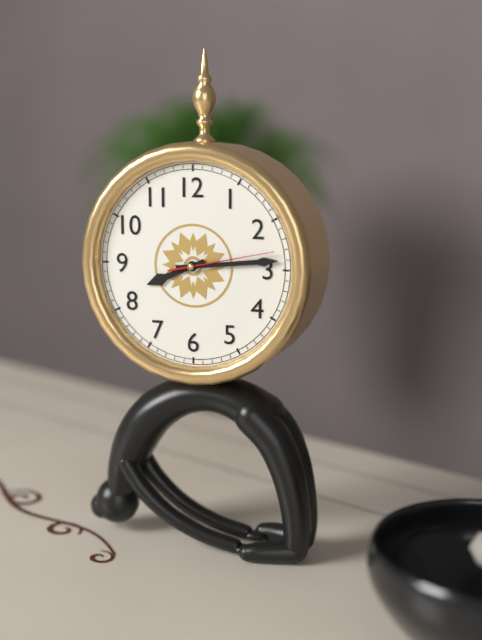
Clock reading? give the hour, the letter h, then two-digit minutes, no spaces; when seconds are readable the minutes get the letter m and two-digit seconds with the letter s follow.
8h14m13s
